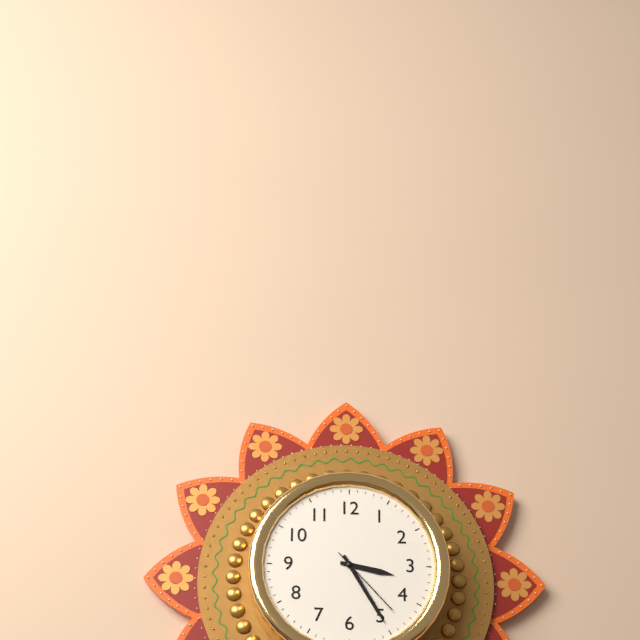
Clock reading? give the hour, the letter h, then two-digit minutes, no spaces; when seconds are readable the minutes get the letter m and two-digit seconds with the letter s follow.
3h25m23s
